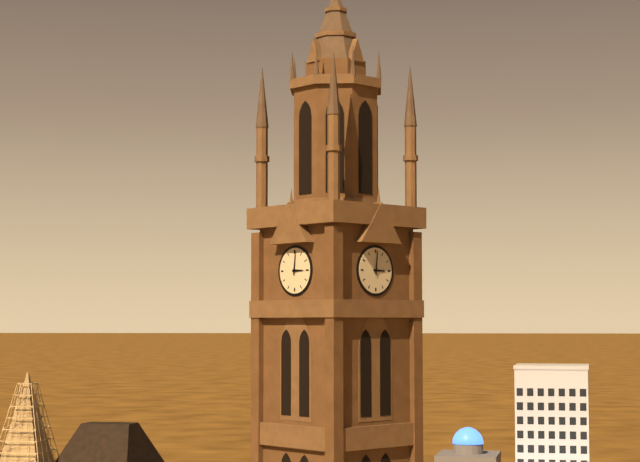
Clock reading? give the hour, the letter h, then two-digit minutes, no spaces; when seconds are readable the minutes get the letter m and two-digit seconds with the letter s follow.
3h01
